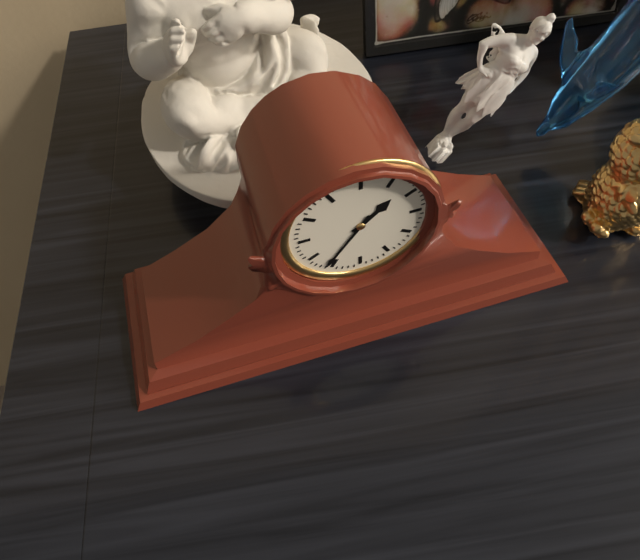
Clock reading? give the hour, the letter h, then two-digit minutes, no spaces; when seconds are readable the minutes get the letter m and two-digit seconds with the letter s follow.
1h36
